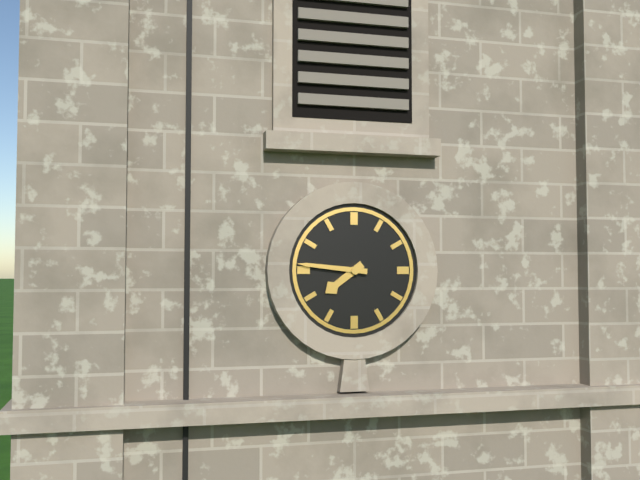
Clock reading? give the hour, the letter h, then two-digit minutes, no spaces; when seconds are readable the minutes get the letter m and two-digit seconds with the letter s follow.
7h46
